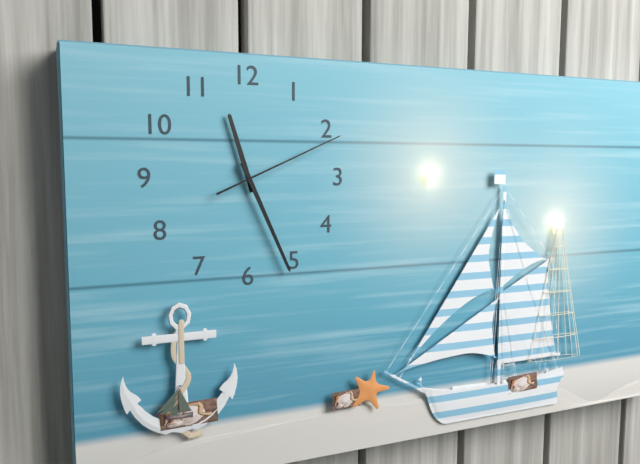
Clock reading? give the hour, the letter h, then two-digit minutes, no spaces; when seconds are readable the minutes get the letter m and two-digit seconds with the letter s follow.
11h26m11s
